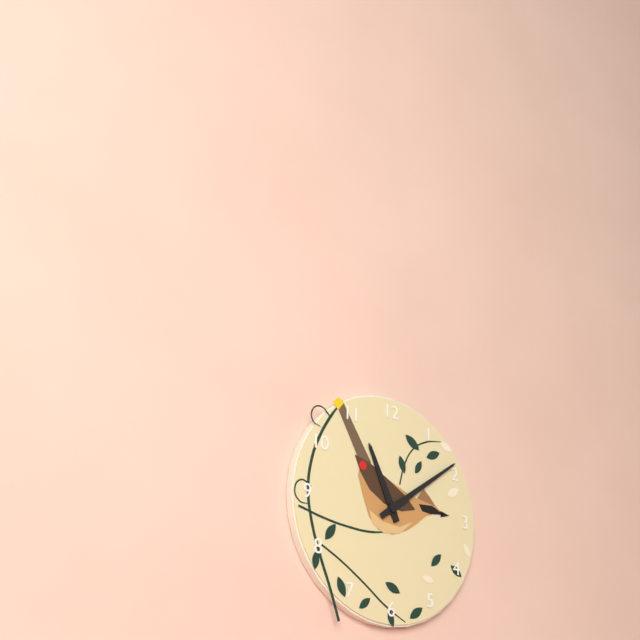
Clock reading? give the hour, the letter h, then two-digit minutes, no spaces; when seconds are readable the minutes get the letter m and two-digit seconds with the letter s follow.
11h09
